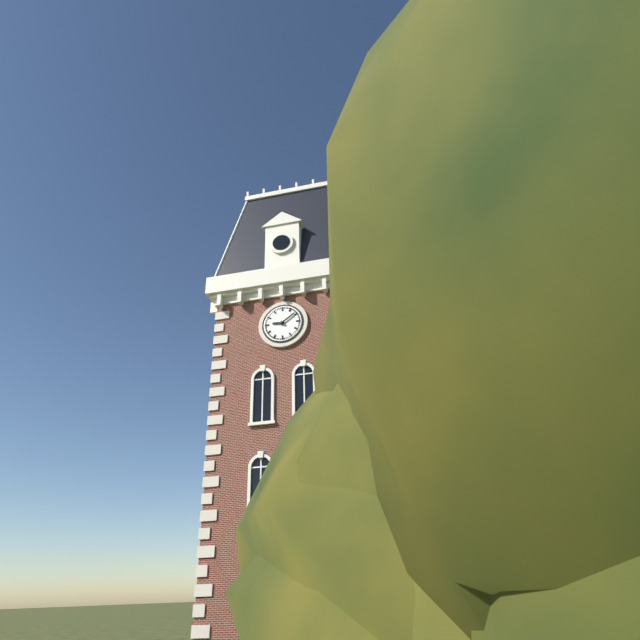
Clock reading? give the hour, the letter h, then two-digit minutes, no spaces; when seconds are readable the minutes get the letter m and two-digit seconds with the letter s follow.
9h09
